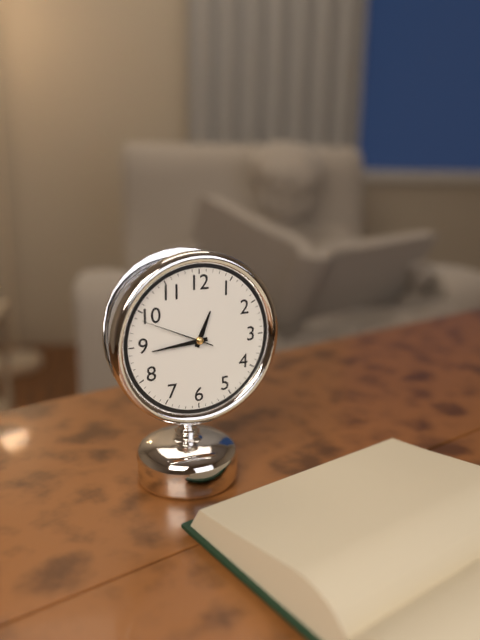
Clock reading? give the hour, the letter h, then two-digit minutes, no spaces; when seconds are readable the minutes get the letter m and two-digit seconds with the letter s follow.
12h44m49s
